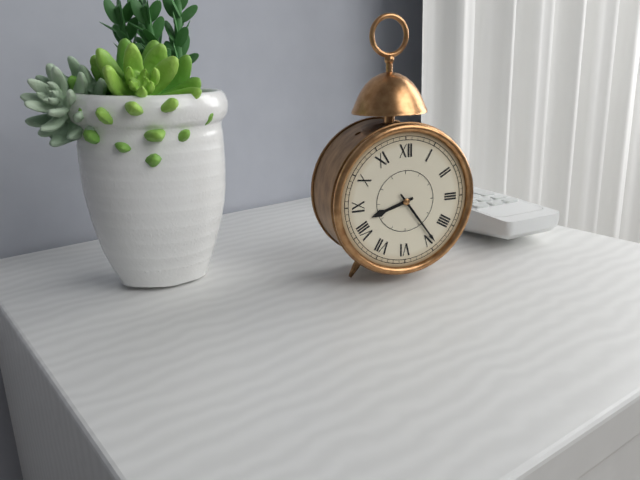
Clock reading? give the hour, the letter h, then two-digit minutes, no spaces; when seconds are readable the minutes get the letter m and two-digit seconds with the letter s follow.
8h24
